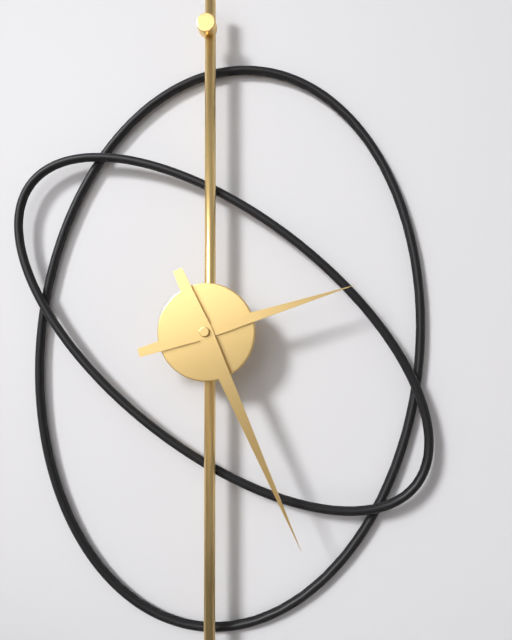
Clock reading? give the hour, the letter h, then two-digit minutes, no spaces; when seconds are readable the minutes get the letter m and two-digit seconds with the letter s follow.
2h26
